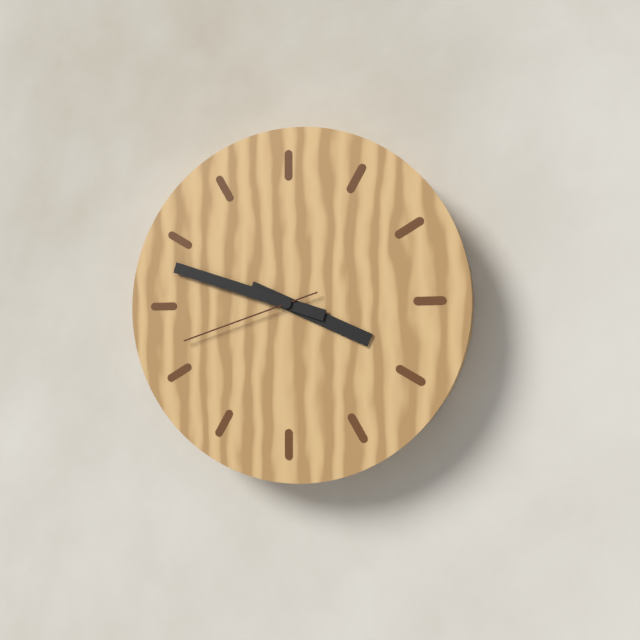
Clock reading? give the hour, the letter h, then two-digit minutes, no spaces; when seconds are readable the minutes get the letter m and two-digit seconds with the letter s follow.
3h48m42s
